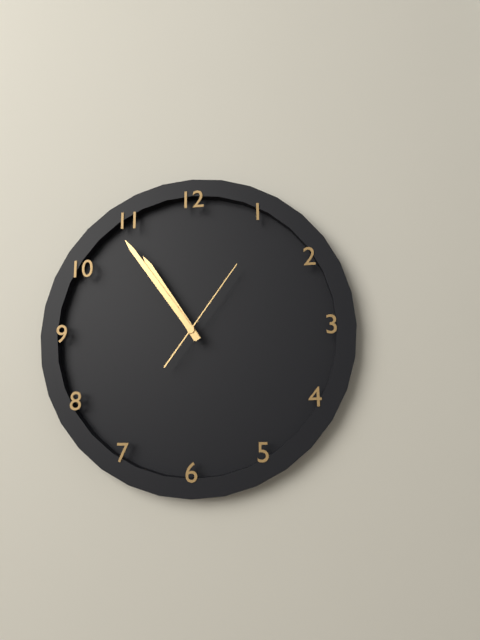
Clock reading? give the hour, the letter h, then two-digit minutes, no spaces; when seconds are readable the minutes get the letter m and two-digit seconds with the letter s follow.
10h54m06s
